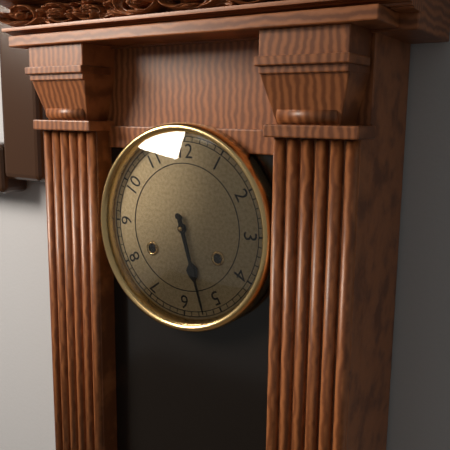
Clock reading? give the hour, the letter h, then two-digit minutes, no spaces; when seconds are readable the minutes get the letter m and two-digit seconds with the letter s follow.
5h27
